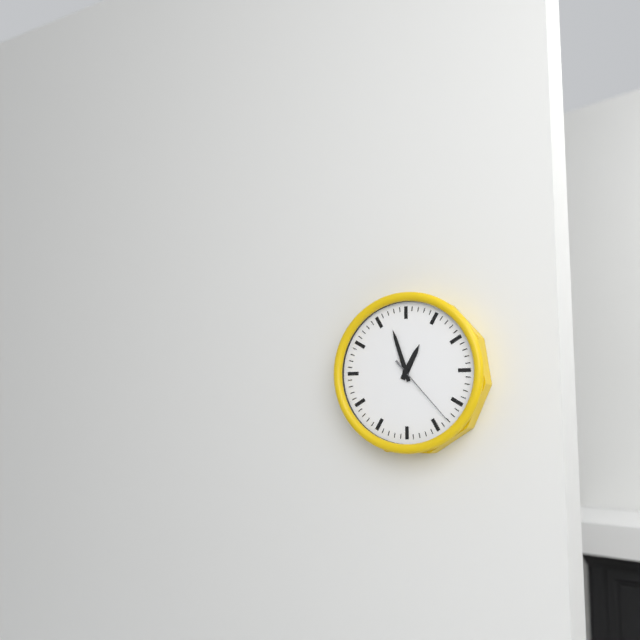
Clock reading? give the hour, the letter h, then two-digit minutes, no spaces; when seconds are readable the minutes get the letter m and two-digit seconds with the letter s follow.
12h57m23s
